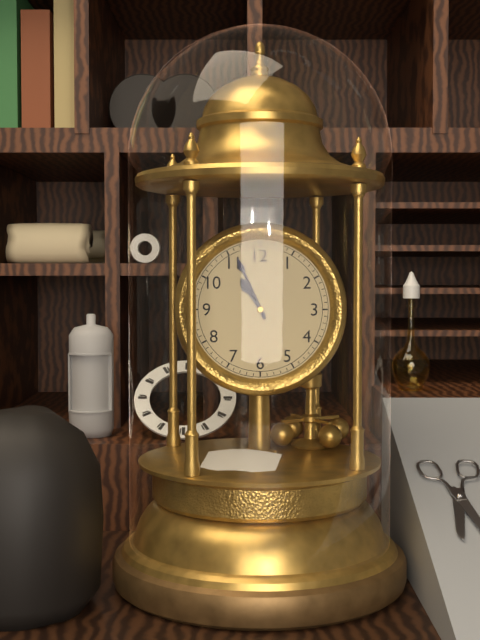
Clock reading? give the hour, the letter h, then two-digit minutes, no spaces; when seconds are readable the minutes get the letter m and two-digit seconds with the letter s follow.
10h56
